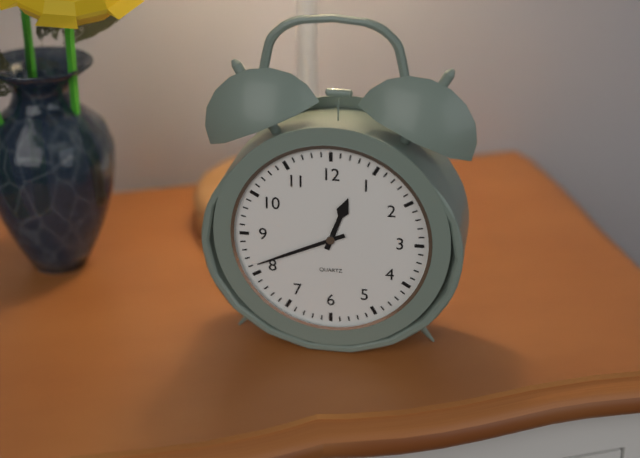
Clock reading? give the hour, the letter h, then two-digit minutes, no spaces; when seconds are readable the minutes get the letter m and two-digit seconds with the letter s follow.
12h41
